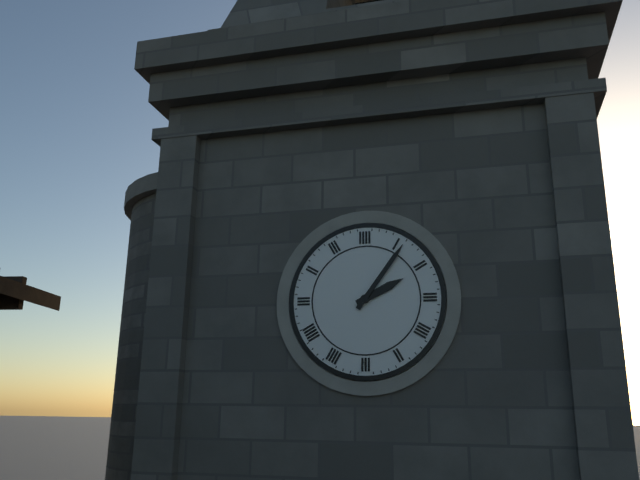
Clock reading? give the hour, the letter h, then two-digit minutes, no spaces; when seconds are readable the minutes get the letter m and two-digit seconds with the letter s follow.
2h06
